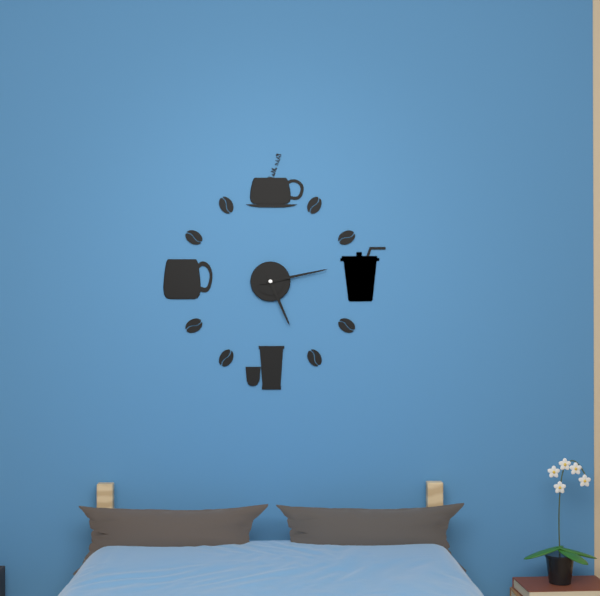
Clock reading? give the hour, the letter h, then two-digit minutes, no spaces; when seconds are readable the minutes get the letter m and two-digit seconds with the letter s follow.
5h13m13s
